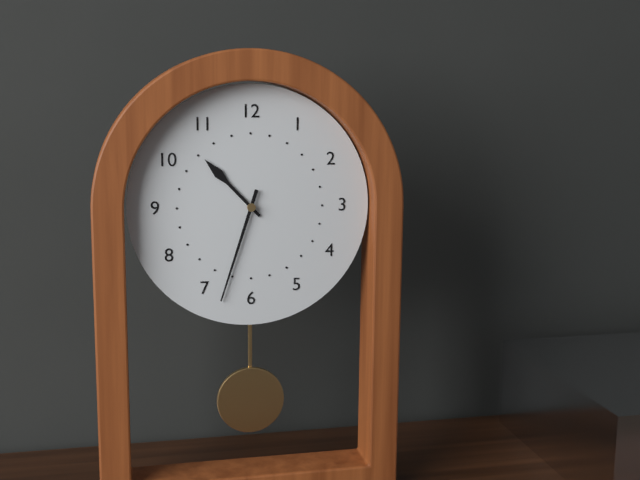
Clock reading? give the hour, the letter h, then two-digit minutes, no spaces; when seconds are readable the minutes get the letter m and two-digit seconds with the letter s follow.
10h33
